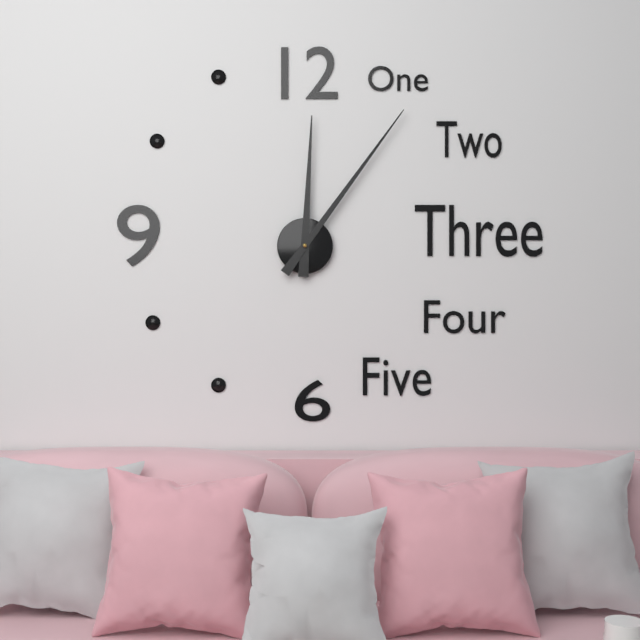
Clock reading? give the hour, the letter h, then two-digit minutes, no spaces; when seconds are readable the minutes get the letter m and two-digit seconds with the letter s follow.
12h06
